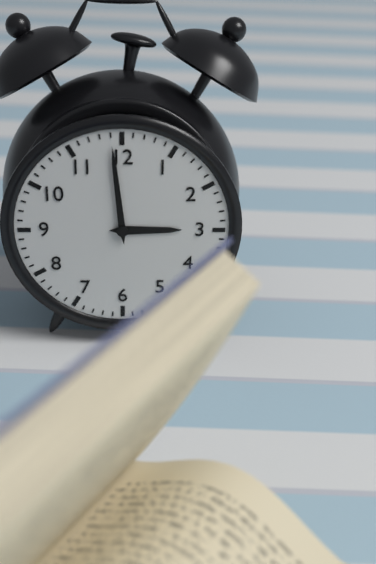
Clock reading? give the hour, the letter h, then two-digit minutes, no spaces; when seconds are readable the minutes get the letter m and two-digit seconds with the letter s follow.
2h59
